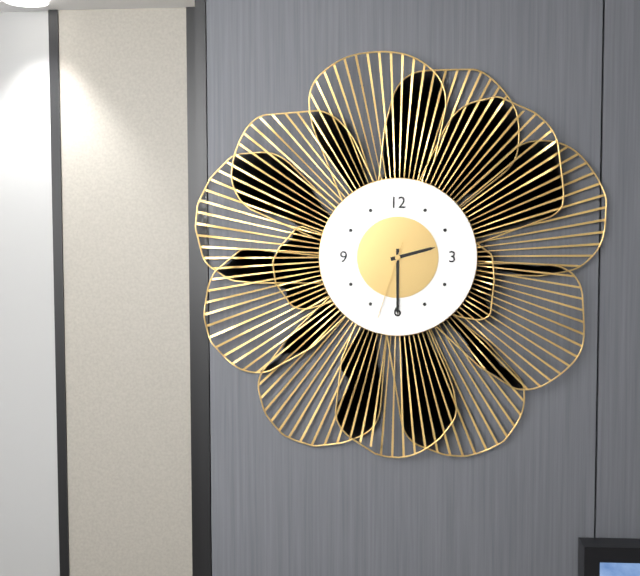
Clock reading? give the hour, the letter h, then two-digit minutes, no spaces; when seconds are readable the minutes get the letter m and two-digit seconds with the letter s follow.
2h30m33s
